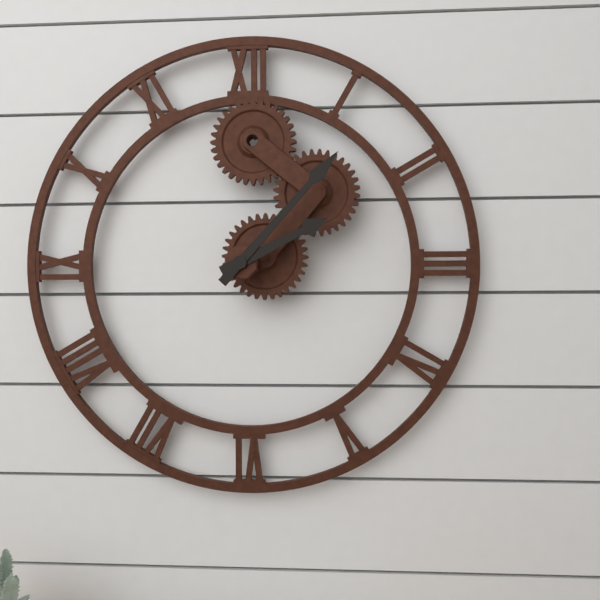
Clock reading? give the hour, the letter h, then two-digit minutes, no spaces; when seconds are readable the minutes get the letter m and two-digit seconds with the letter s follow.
2h07
